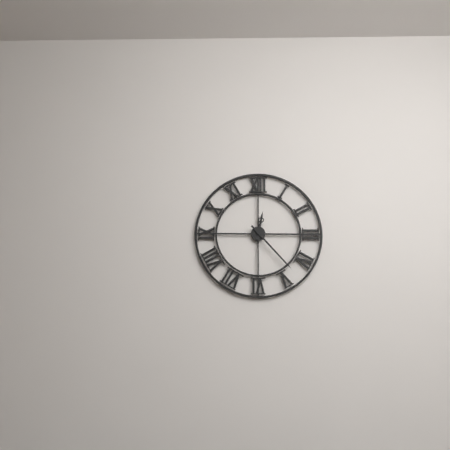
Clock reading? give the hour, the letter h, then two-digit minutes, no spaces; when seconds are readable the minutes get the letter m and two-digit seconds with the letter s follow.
12h23
